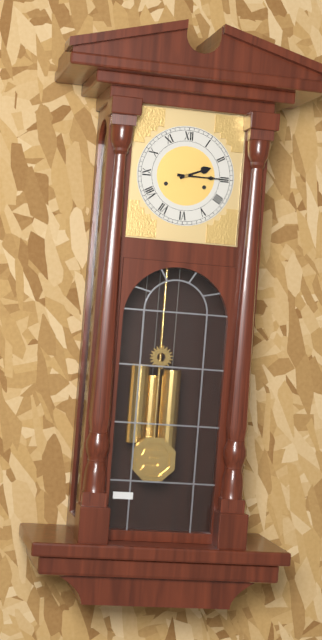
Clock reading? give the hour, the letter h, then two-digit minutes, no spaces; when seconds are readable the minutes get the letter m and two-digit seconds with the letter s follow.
2h15
